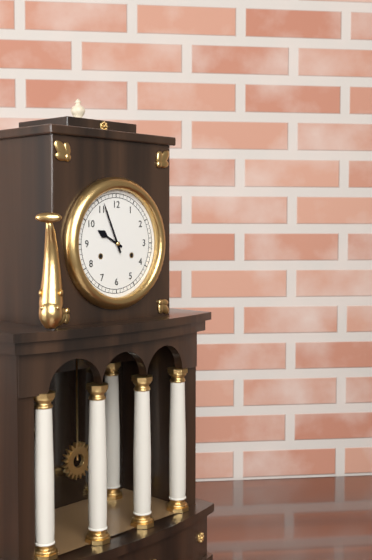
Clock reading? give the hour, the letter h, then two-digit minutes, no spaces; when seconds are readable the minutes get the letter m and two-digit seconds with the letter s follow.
9h56
